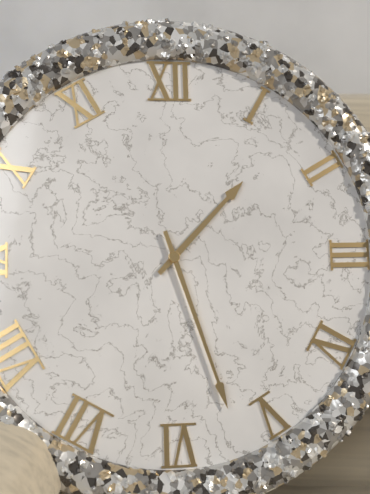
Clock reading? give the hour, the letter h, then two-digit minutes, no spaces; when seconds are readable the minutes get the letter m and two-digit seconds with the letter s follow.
1h27
